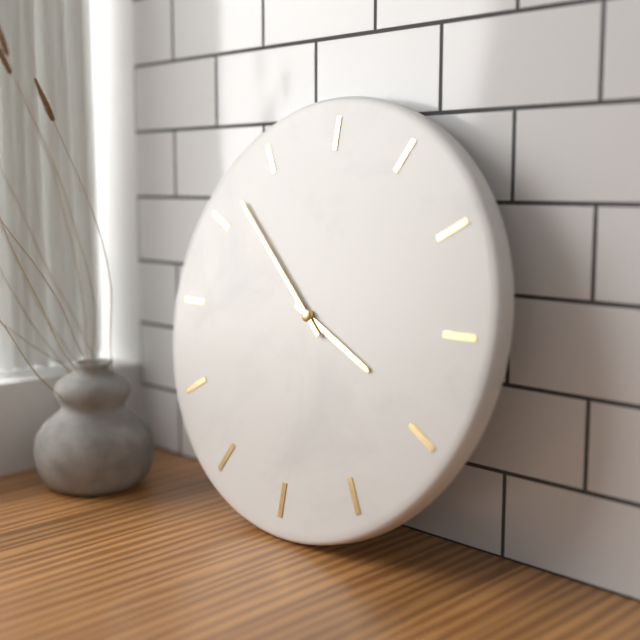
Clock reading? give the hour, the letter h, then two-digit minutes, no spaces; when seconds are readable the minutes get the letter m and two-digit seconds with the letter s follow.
3h52
